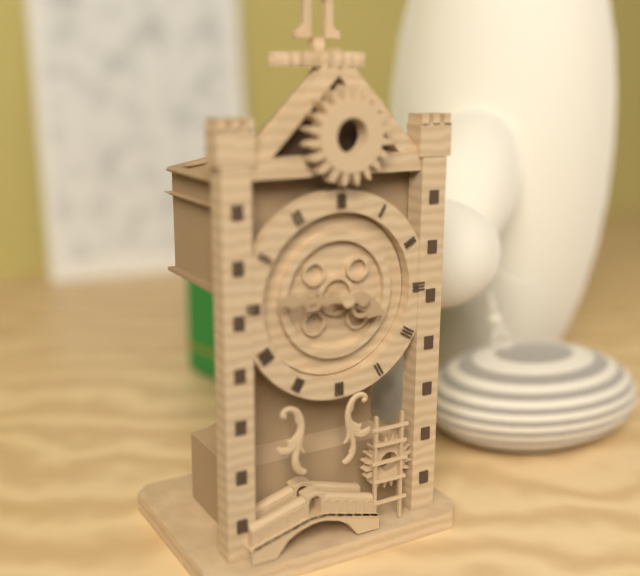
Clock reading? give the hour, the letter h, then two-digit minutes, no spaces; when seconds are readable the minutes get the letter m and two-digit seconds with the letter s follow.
3h46
